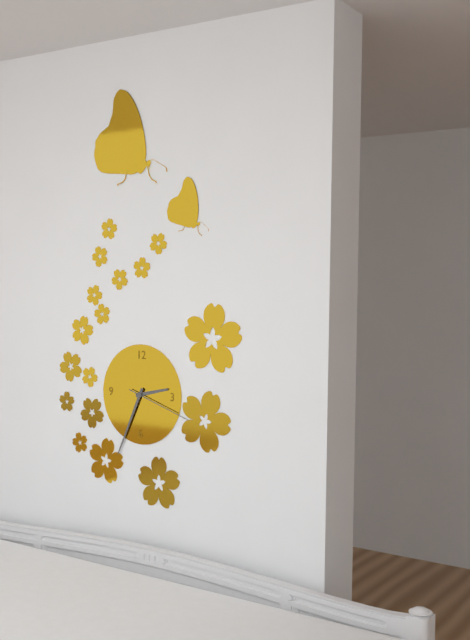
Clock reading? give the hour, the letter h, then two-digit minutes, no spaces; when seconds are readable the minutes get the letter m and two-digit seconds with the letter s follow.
2h34m18s
